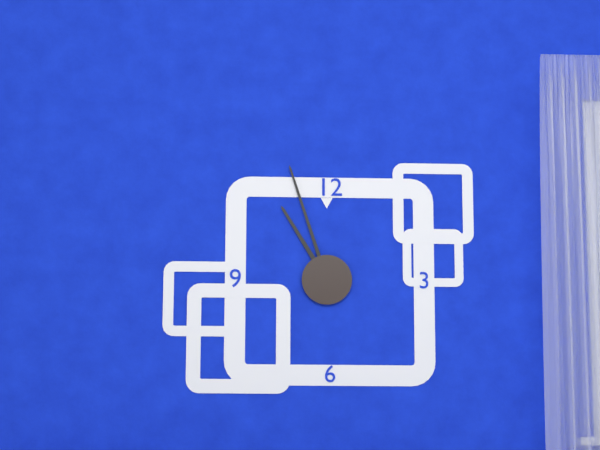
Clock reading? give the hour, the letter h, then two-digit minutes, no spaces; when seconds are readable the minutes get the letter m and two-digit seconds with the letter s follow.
10h57
